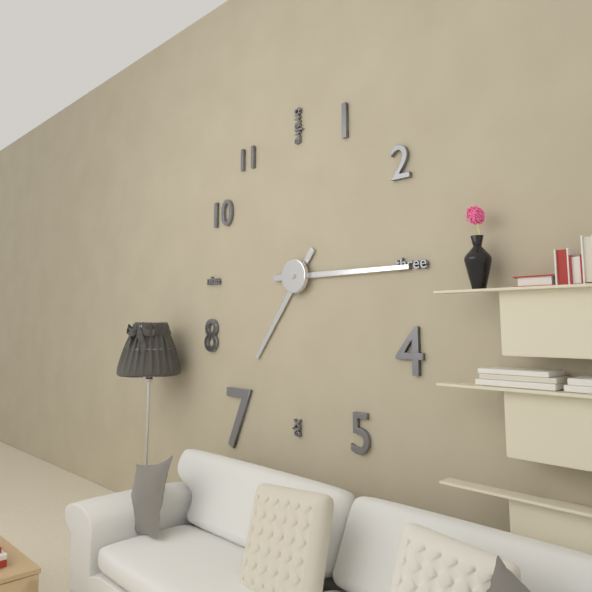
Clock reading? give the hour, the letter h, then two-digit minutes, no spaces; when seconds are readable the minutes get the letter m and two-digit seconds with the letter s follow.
7h15
